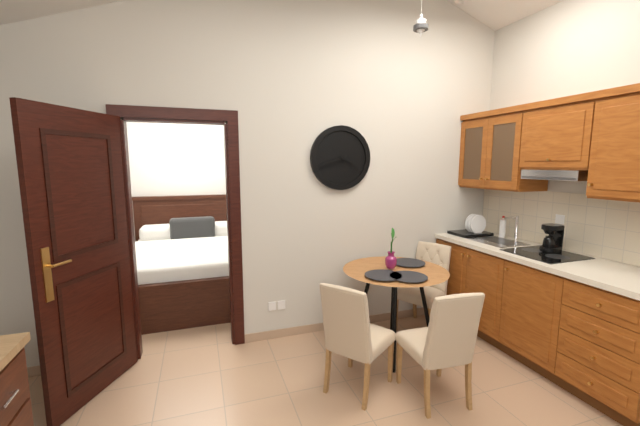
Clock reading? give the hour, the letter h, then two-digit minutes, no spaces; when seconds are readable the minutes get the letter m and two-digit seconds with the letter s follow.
3h42
